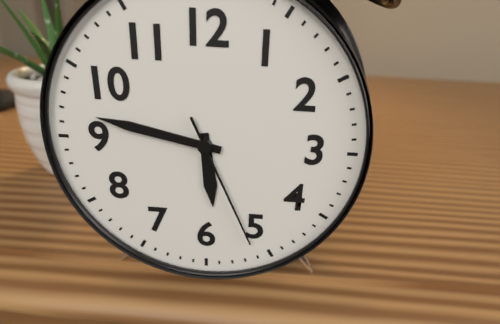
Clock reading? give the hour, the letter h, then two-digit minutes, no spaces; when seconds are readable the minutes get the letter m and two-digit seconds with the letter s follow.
5h47m26s
